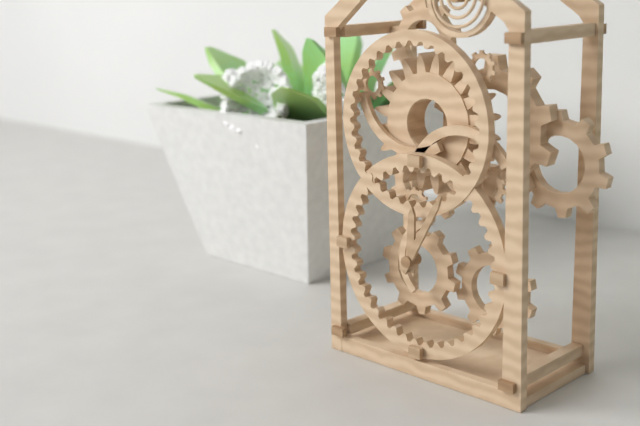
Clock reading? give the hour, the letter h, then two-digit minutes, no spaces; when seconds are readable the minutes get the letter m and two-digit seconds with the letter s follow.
12h05
